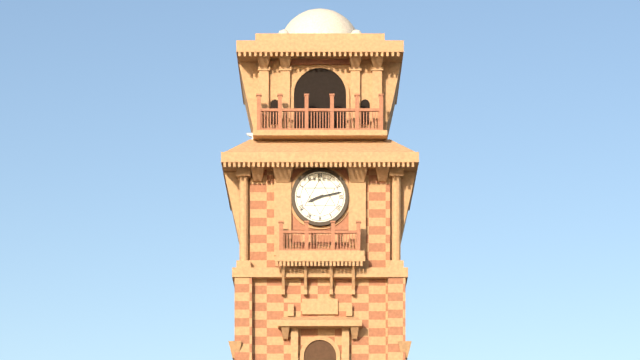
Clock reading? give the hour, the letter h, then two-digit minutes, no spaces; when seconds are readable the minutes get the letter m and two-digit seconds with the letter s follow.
8h13
